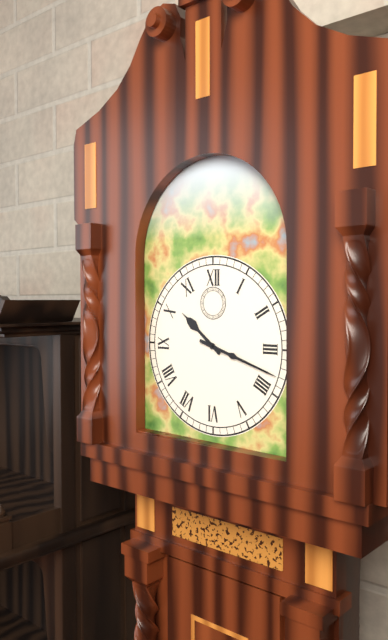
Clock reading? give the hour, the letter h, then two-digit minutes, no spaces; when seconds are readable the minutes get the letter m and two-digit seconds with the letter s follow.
10h18
